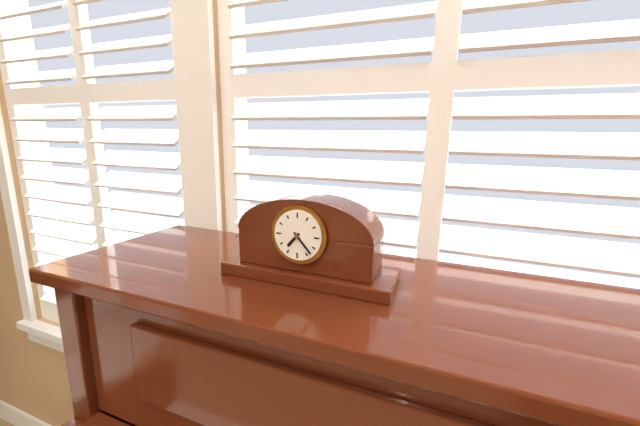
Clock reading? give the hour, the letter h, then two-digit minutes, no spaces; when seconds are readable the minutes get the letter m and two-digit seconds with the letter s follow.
7h23
